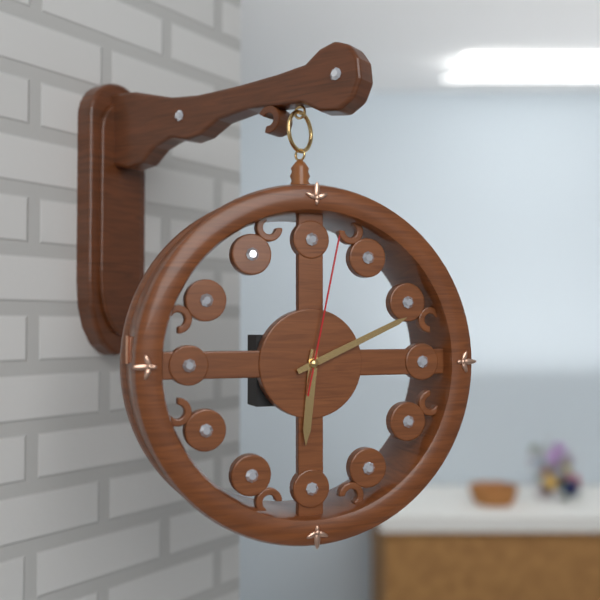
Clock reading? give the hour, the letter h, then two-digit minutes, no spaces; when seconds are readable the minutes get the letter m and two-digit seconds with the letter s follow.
6h11m02s
